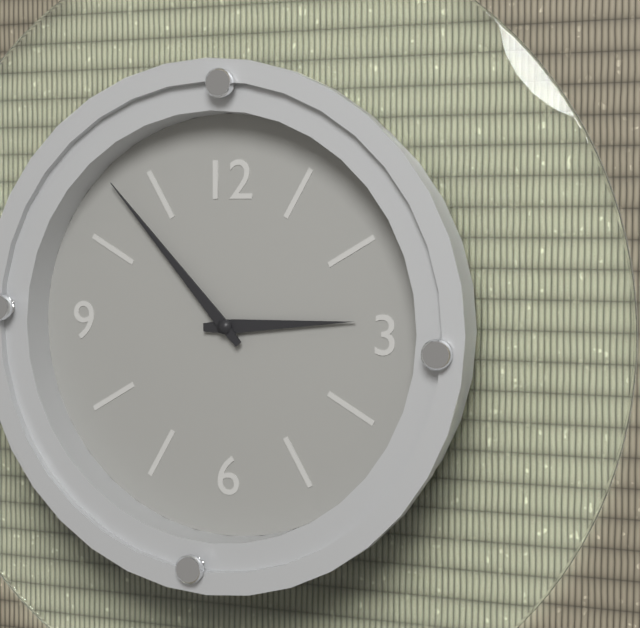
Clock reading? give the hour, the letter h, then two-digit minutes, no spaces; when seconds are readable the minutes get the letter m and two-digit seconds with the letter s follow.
2h53
